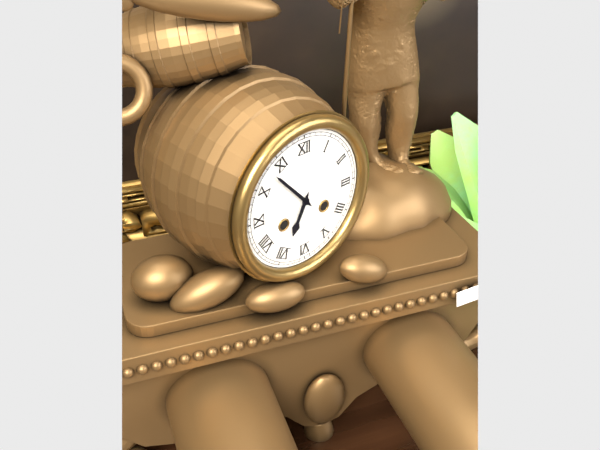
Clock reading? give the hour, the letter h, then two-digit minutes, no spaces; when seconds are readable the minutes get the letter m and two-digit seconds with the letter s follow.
6h53
